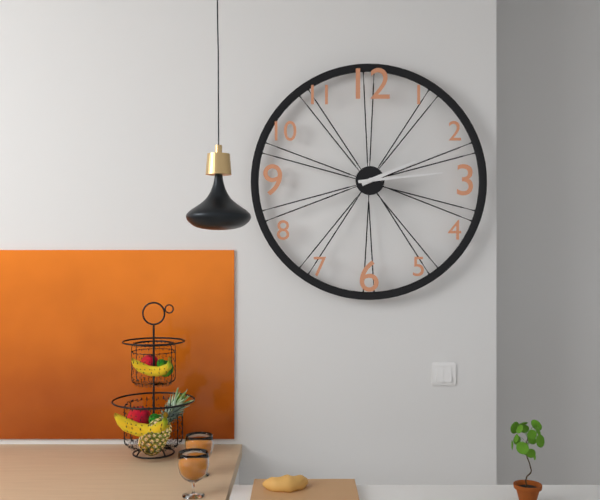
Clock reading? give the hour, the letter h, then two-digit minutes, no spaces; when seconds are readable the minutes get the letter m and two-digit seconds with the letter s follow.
2h14
